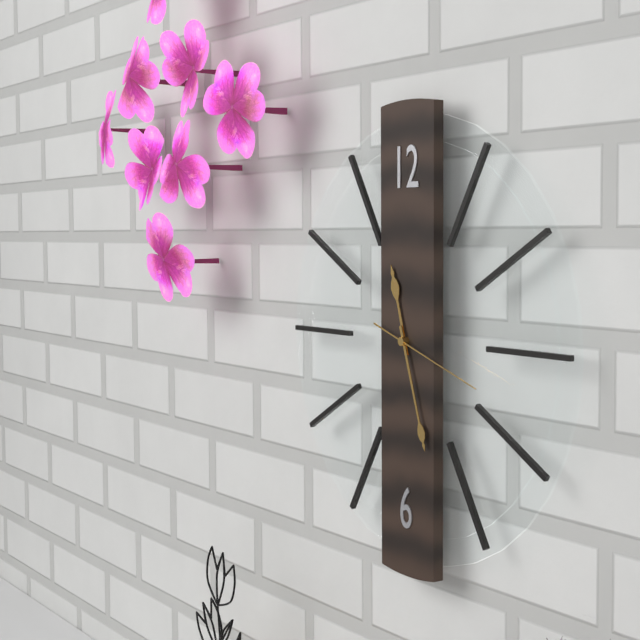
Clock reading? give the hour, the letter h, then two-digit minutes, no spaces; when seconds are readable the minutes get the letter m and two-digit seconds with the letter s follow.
11h27m18s
